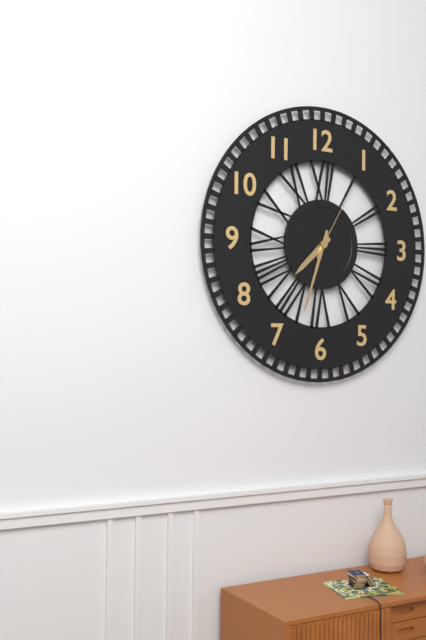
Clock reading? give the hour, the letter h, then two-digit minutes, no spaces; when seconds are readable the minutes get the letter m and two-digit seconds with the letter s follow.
7h33m05s
